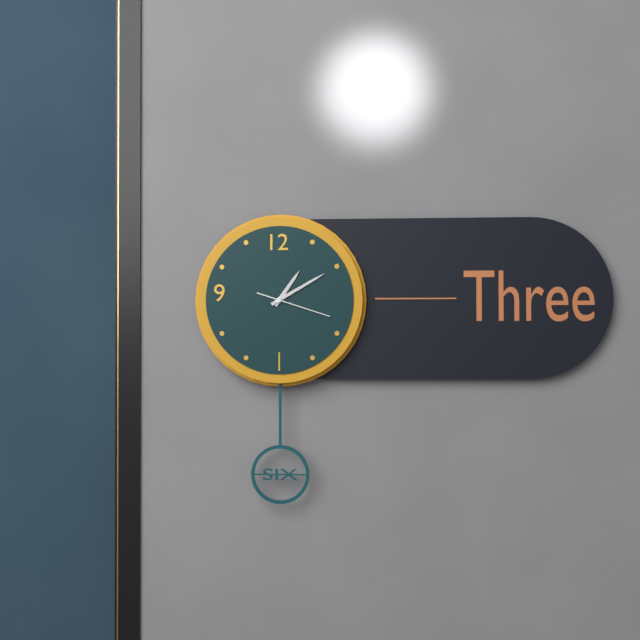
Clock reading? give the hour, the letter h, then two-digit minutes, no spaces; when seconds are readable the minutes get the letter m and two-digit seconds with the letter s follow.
1h10m18s
